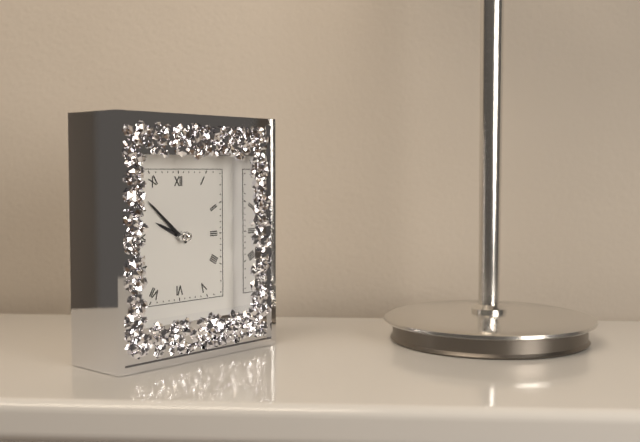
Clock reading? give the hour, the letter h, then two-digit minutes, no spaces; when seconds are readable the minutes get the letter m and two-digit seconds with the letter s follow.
9h52
